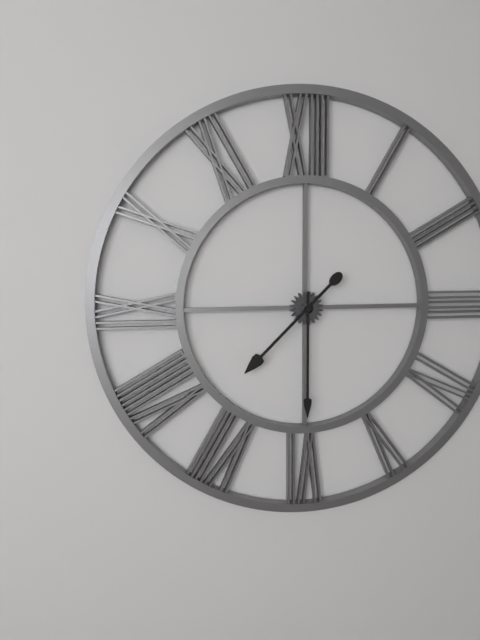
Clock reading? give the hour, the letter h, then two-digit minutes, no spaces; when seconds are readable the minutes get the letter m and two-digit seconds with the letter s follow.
7h30
